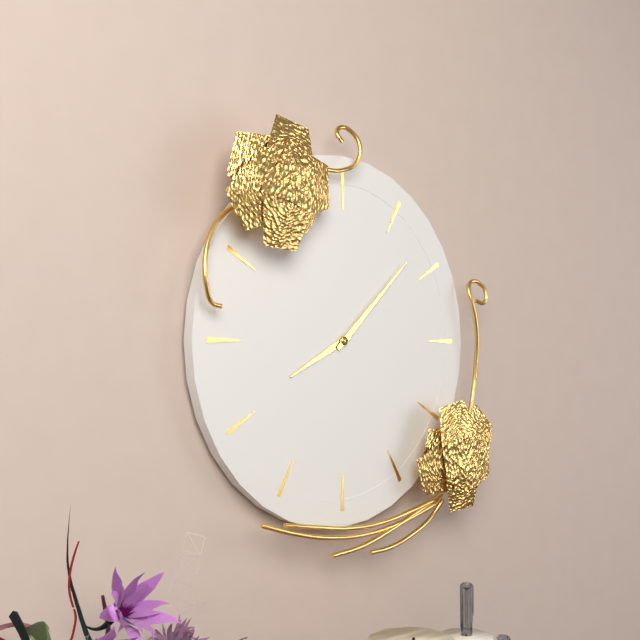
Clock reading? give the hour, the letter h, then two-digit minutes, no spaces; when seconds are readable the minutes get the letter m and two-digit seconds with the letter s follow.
8h08
